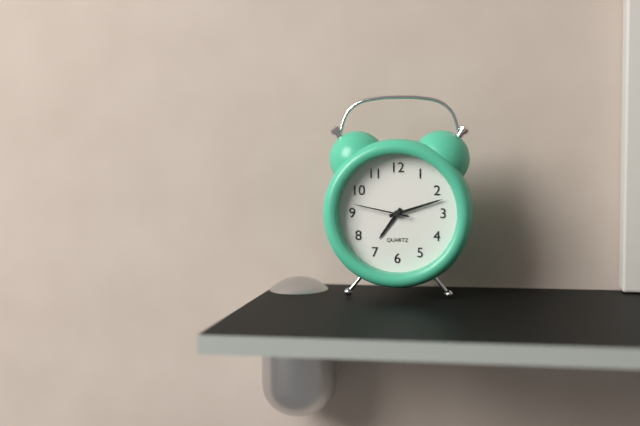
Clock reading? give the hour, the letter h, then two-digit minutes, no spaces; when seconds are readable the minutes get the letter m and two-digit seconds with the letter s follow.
7h12m47s
